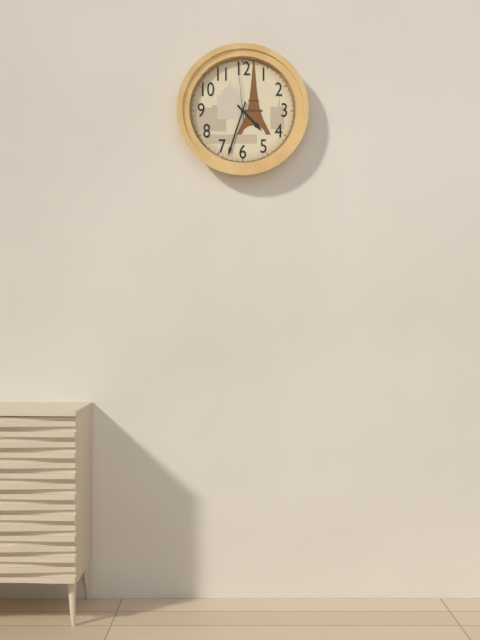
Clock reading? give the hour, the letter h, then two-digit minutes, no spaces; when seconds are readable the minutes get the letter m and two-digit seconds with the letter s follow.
4h33m59s
